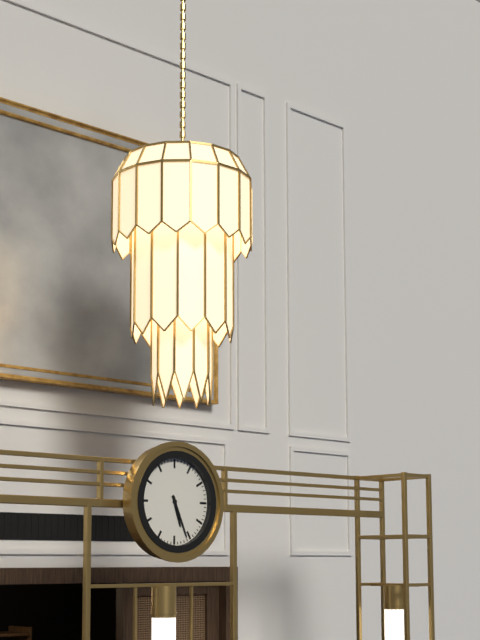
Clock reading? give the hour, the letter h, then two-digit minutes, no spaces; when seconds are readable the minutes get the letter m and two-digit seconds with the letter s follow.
5h26
